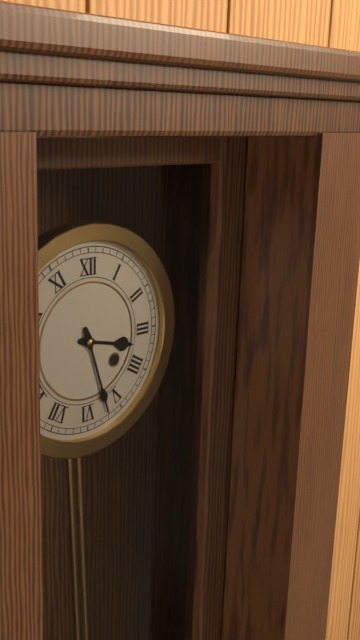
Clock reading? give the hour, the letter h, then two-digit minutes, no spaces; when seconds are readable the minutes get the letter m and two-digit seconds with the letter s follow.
3h27
